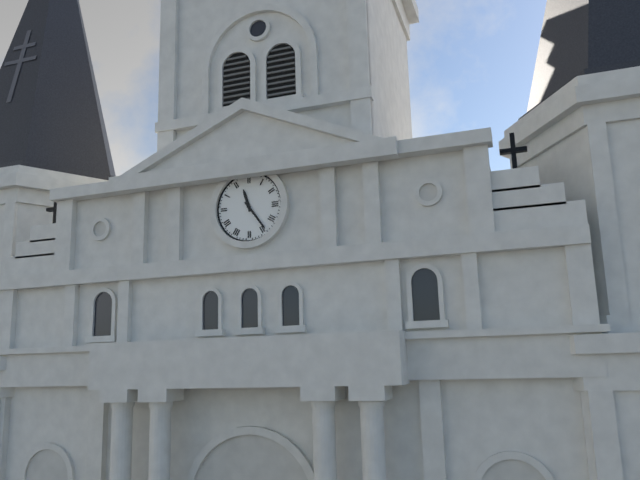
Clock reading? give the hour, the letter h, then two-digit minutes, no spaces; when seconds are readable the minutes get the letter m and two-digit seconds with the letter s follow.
11h24
